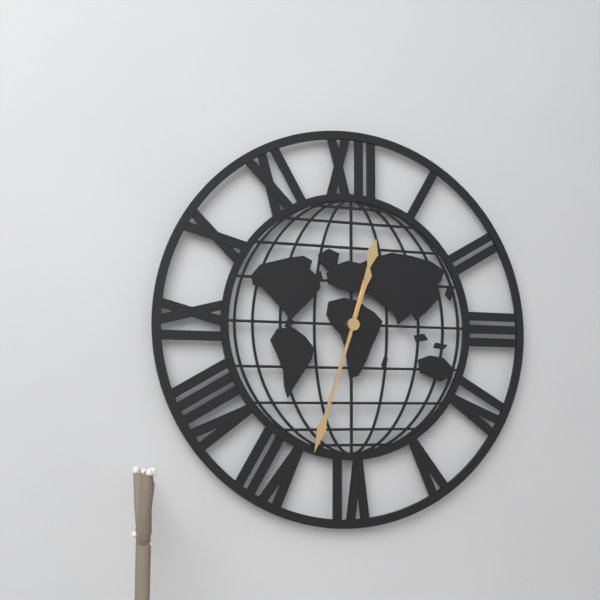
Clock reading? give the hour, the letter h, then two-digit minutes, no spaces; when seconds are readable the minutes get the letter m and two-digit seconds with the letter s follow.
12h33
